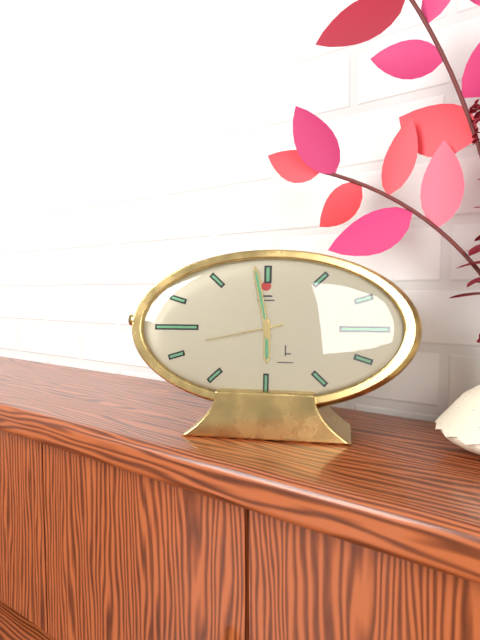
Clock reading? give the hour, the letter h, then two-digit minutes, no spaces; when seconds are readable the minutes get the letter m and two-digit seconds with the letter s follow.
5h58m43s
